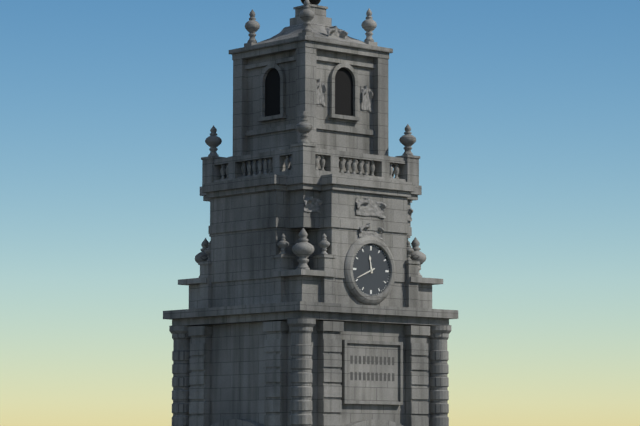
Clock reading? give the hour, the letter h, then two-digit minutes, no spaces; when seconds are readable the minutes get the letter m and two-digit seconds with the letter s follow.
11h41
